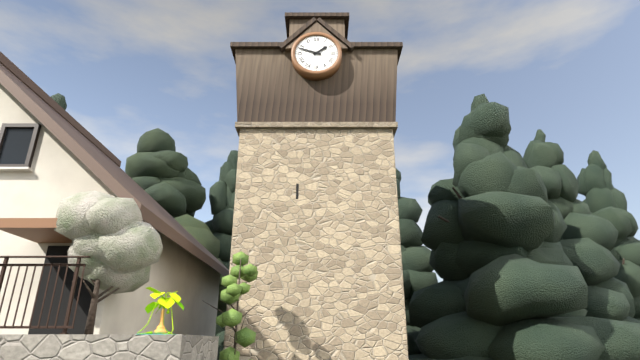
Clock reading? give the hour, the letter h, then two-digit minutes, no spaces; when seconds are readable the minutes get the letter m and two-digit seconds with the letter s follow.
1h48
